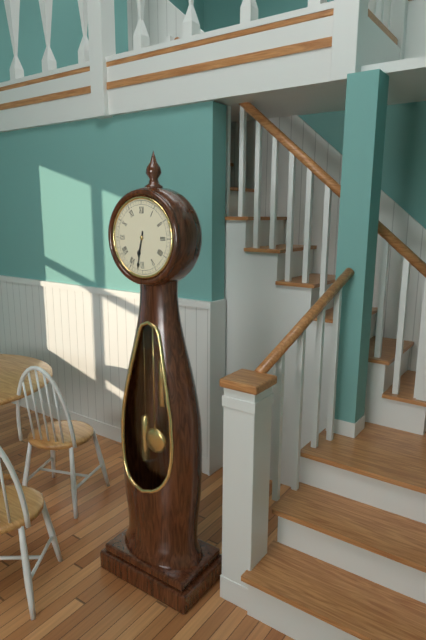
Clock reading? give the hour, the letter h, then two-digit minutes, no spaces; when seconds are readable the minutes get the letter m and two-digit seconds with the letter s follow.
6h32
